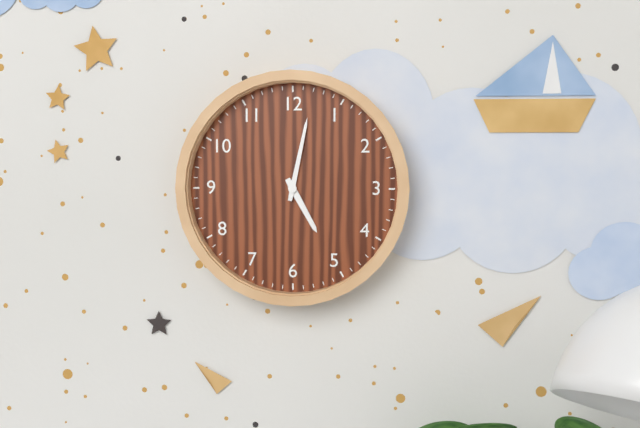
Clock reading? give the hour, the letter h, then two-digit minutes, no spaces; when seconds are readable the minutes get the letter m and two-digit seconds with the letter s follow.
5h02
